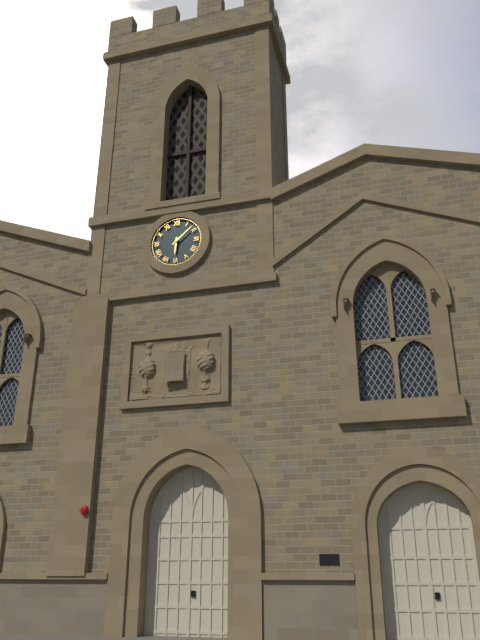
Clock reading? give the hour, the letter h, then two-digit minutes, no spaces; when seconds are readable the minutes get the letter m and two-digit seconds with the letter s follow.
6h08
